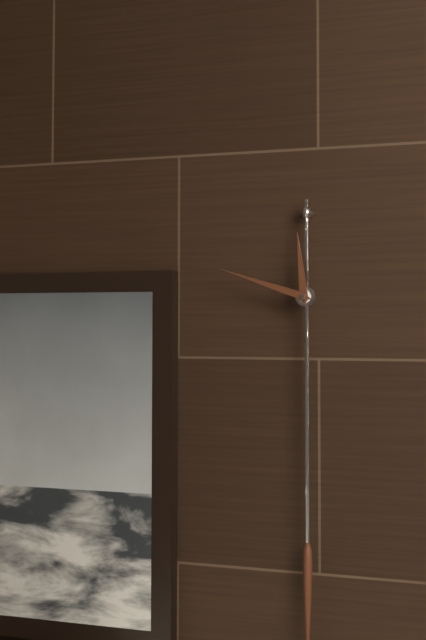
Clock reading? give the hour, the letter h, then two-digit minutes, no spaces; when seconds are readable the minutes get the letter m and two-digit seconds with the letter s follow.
11h48
